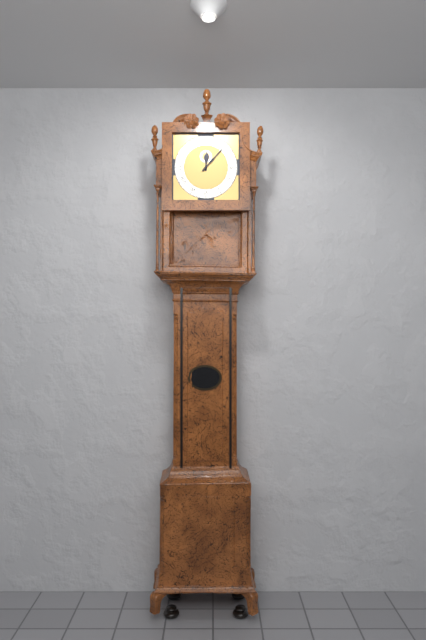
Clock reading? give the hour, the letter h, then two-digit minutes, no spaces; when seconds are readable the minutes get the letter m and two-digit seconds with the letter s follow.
12h07
